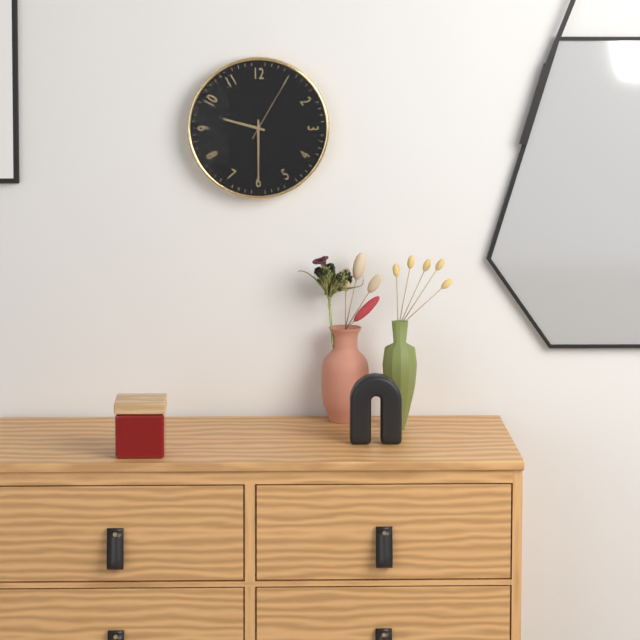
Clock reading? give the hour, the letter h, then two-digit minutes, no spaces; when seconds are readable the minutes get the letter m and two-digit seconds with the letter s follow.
9h30m05s
